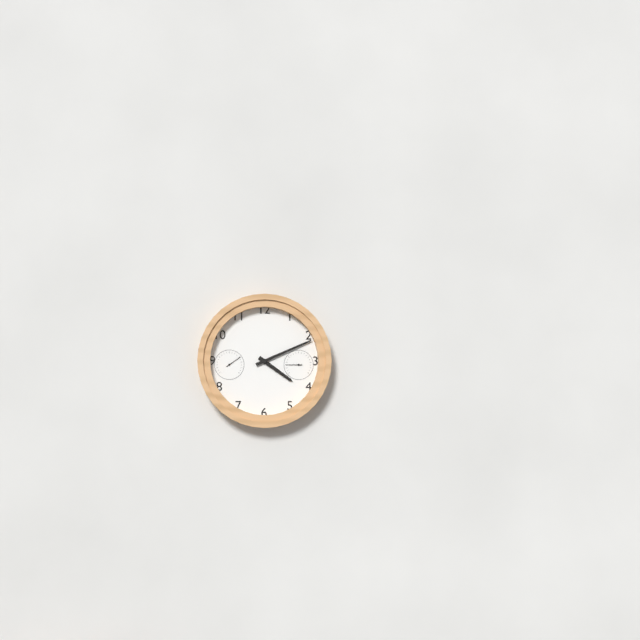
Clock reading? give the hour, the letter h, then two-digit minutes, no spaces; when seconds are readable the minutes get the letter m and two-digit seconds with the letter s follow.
4h11
